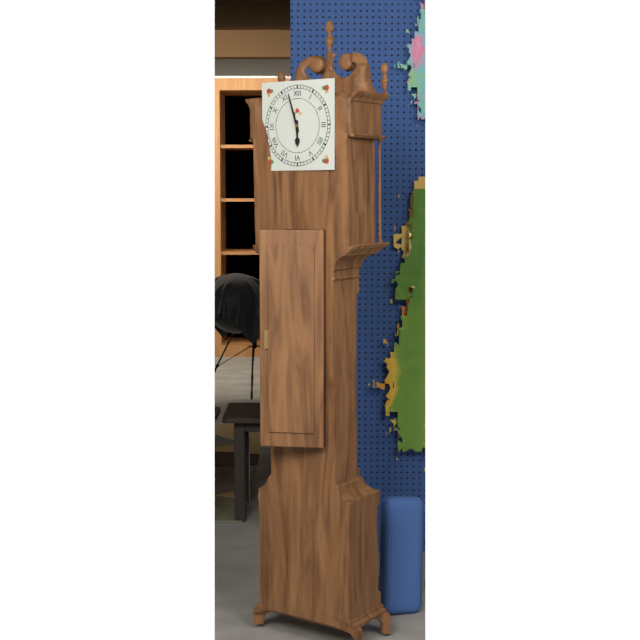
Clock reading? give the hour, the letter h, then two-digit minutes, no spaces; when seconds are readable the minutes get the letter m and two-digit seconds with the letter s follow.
5h57
